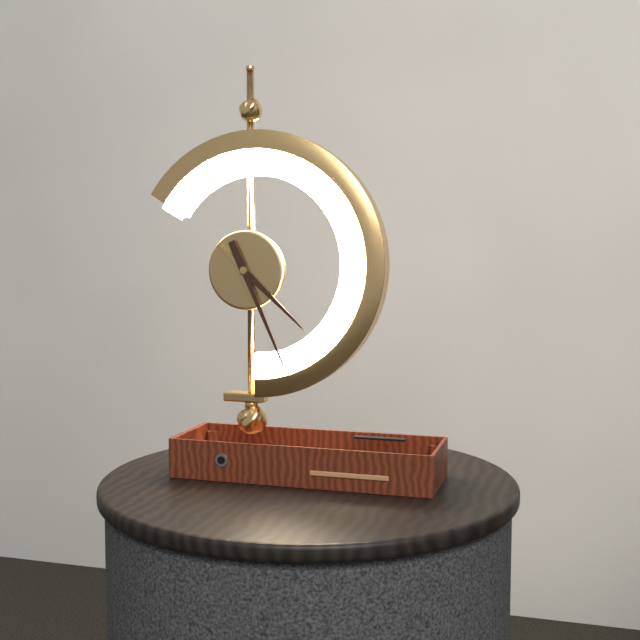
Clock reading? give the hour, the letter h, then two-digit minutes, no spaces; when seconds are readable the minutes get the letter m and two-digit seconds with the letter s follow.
4h26
